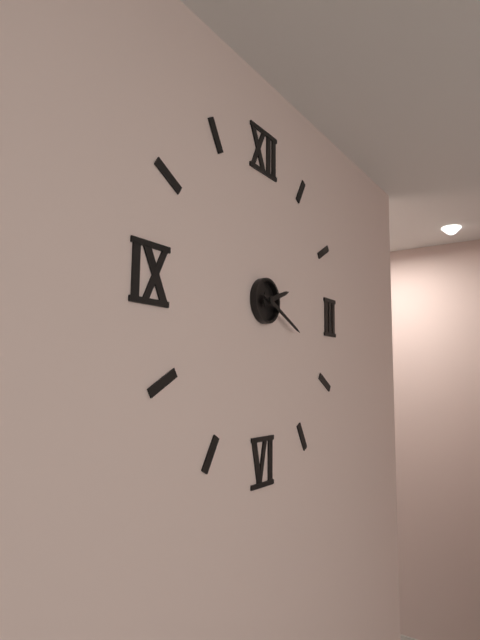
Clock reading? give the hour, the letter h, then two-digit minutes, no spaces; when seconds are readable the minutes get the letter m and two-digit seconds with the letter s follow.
2h19
